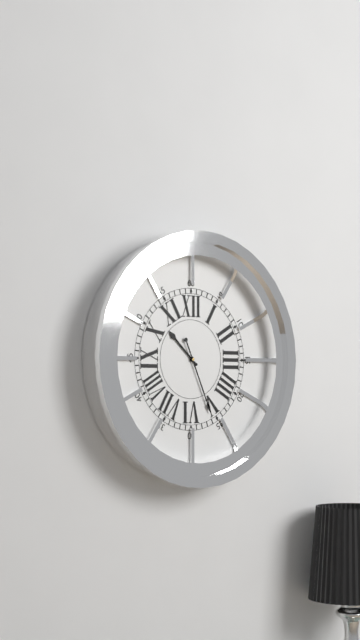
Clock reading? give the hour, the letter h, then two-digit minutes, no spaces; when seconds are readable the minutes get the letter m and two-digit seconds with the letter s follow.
10h26
